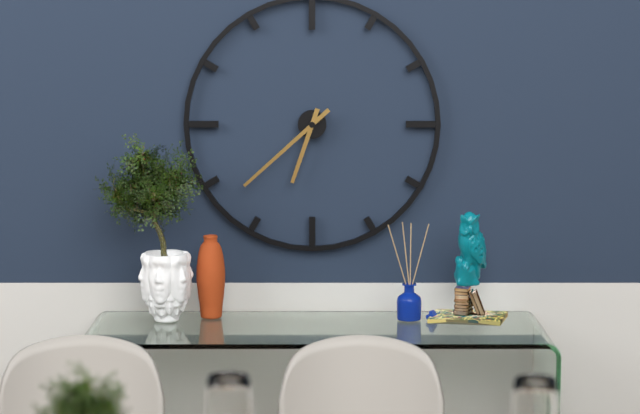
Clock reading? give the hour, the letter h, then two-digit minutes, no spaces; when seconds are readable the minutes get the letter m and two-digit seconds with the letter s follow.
6h38
